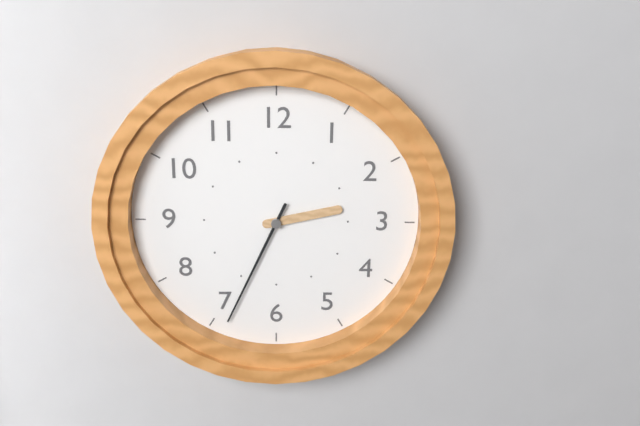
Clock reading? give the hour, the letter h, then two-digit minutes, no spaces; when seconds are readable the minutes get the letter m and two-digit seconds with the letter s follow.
2h34
